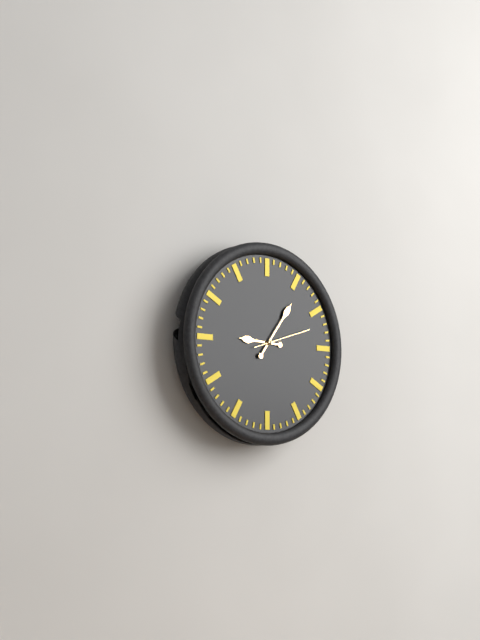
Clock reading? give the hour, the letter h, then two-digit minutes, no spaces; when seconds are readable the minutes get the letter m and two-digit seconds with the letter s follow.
9h06m12s
